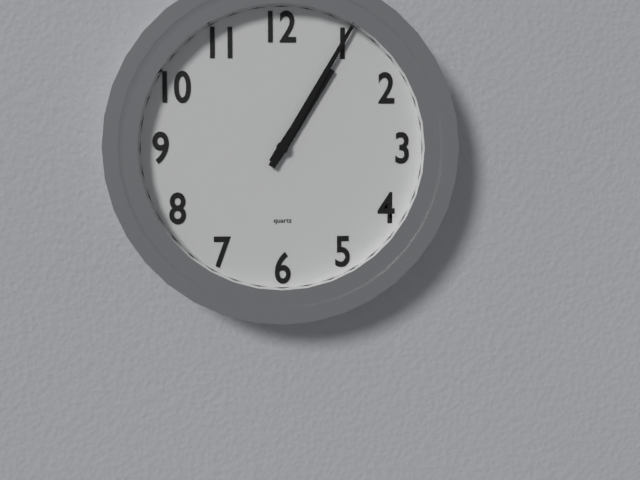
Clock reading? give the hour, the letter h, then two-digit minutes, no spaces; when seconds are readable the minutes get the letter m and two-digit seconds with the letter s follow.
1h05
